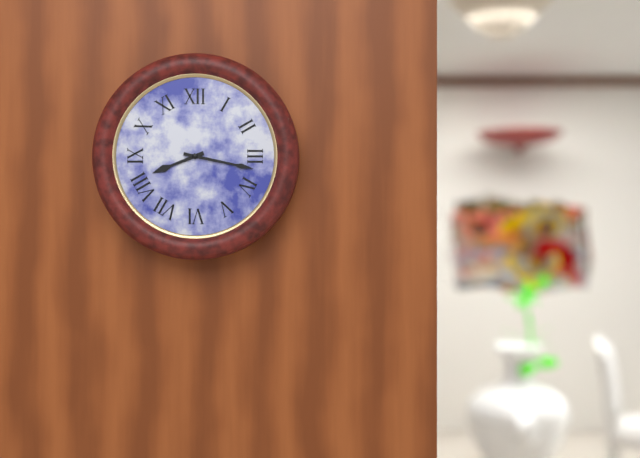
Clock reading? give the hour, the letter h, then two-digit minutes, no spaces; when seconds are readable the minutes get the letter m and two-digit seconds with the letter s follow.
8h17
